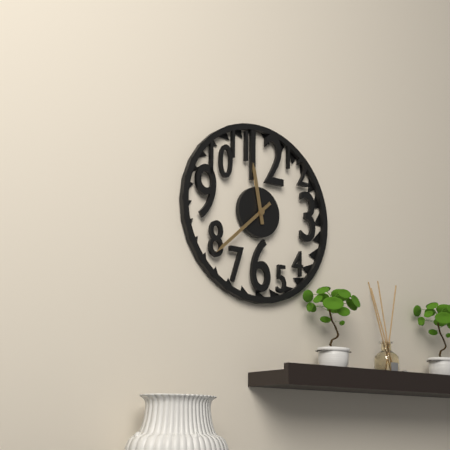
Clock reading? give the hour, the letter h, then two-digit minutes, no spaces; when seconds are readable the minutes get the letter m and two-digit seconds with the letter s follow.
11h38
